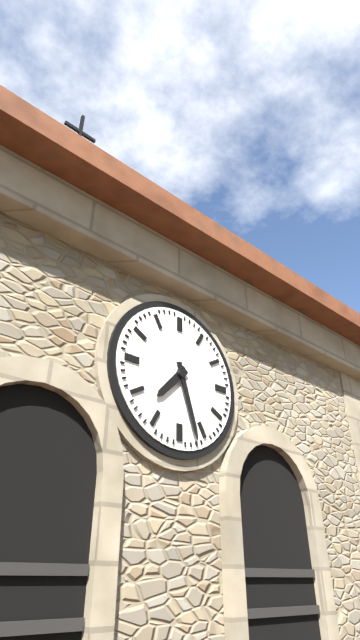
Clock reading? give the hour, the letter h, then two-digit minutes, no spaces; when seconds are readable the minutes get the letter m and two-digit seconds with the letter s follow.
7h27
